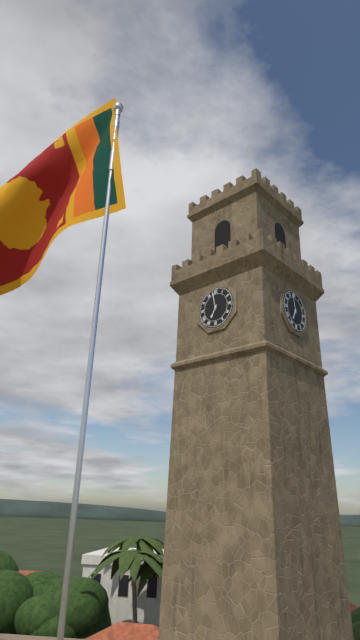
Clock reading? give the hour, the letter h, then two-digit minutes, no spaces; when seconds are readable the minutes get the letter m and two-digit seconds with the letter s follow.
6h58
